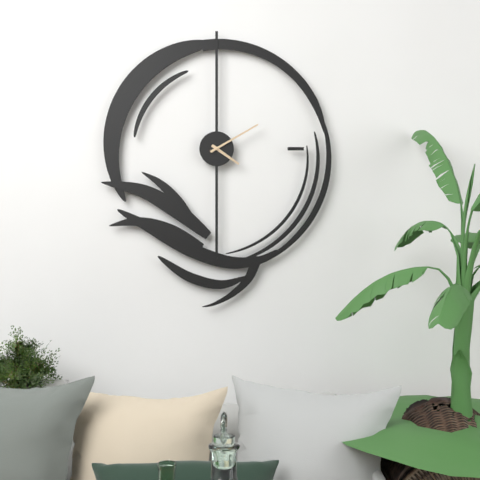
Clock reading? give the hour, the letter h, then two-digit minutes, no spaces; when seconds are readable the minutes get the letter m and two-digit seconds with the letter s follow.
4h10
